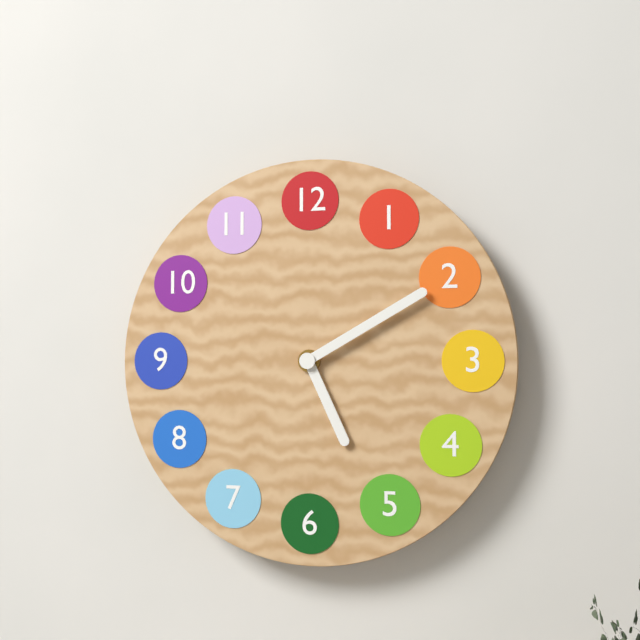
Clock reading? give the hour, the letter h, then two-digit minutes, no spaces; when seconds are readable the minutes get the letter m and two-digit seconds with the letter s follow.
5h10
